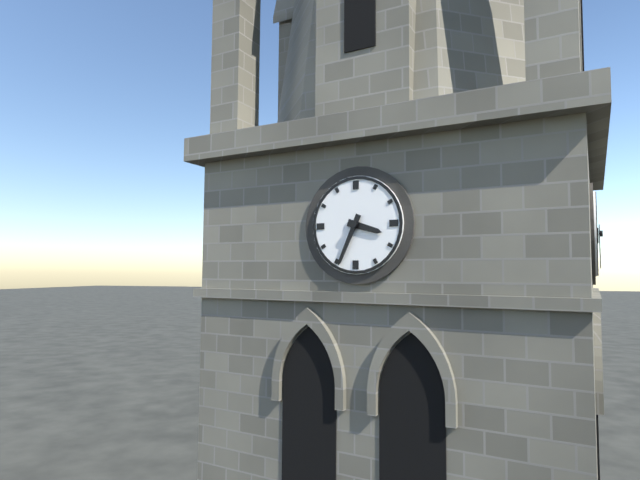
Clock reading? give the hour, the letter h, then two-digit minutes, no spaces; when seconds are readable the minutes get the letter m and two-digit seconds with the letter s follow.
3h34
